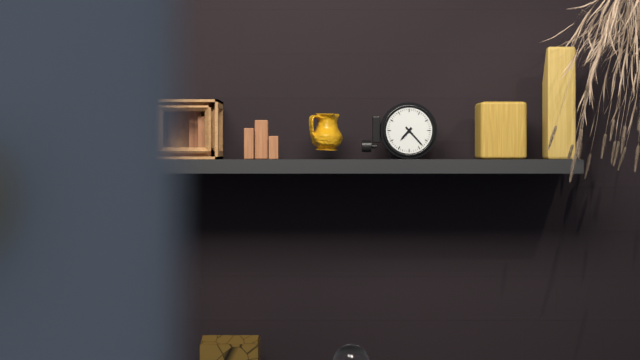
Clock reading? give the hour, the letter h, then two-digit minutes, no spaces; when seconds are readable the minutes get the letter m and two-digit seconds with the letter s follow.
7h23
